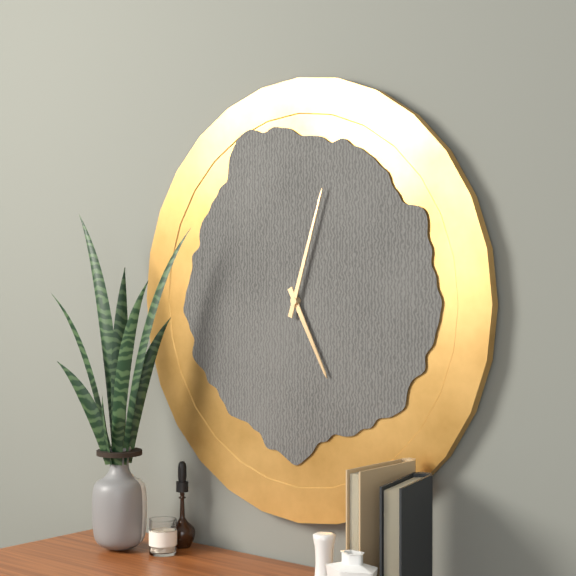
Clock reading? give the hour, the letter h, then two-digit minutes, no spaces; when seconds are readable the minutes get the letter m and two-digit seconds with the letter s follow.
5h03
